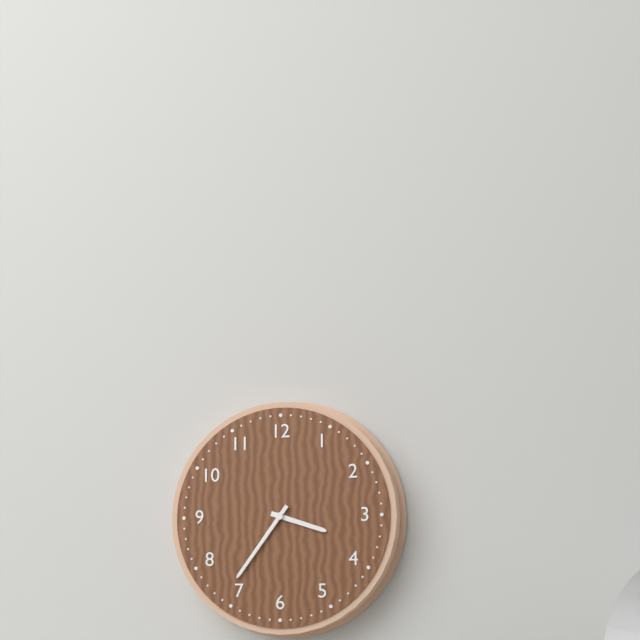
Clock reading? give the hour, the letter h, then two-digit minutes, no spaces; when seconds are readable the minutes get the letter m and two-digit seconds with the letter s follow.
3h36
